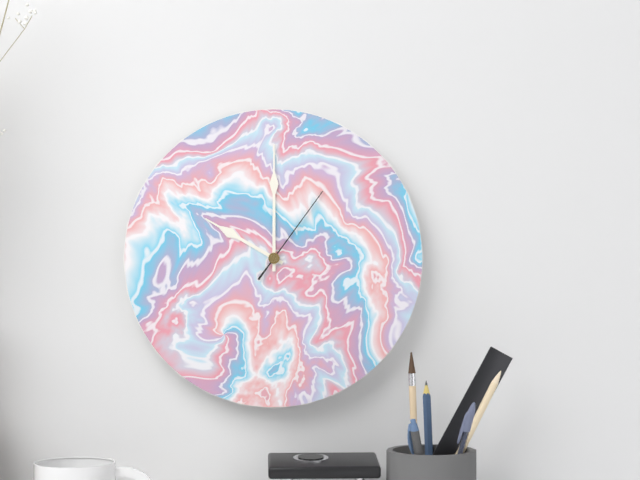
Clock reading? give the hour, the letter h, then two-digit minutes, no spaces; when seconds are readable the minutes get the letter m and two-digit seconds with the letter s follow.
10h00m06s
